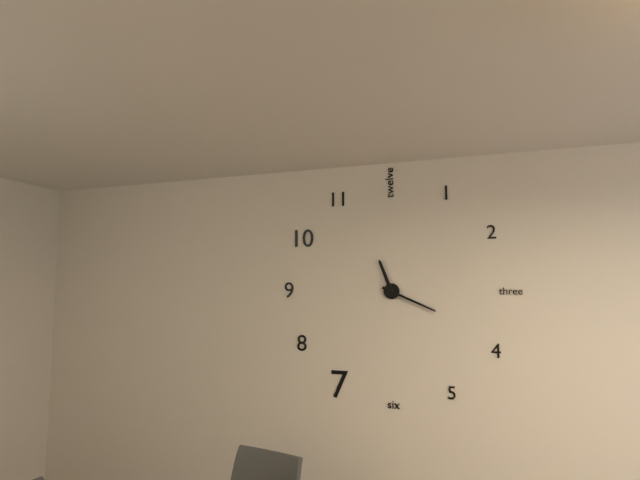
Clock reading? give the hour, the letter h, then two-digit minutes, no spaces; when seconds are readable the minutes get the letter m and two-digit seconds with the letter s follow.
11h19
